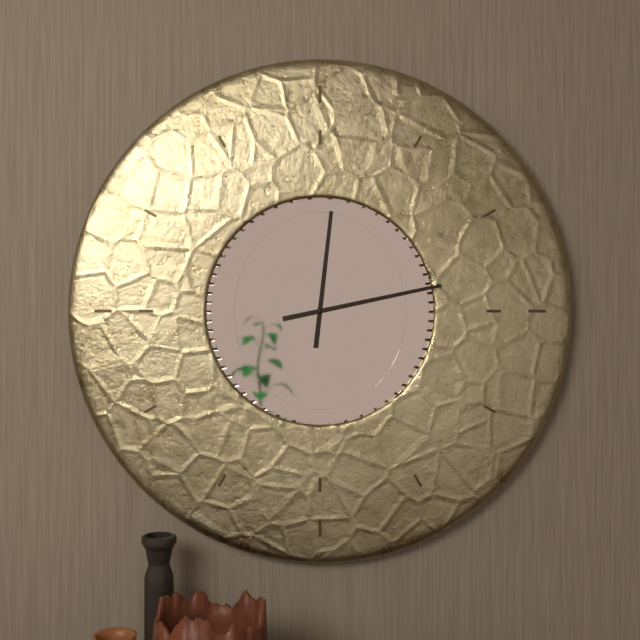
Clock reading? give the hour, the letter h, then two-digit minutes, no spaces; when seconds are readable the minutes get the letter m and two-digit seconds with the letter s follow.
12h13
